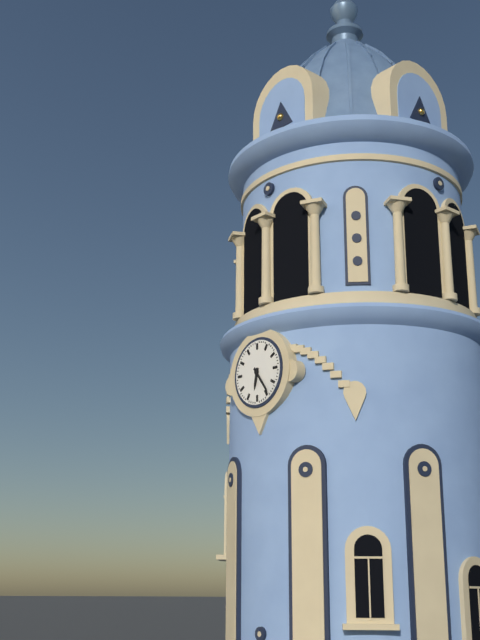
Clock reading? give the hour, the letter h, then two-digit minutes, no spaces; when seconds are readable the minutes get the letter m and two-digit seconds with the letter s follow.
6h24
